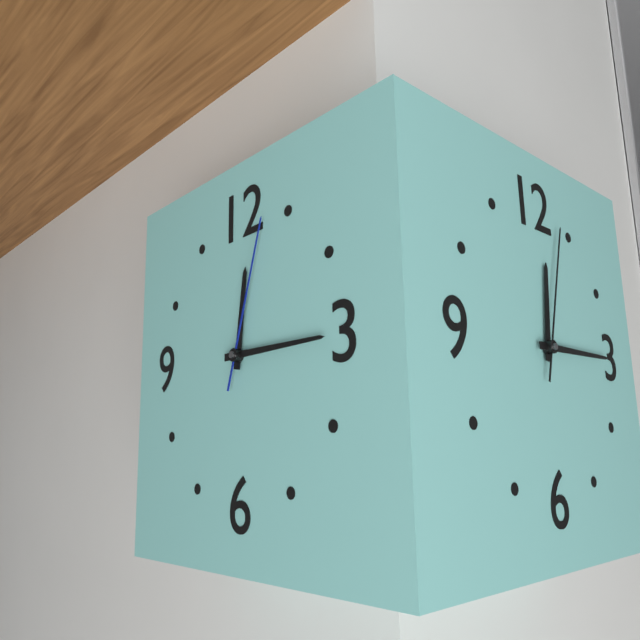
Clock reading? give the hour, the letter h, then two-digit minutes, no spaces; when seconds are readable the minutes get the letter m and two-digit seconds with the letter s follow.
12h15m03s
